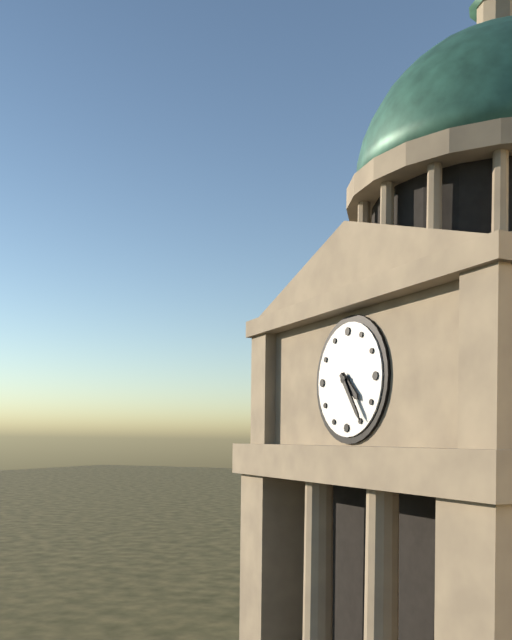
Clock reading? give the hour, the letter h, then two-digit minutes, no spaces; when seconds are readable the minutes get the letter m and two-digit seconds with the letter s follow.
4h24
